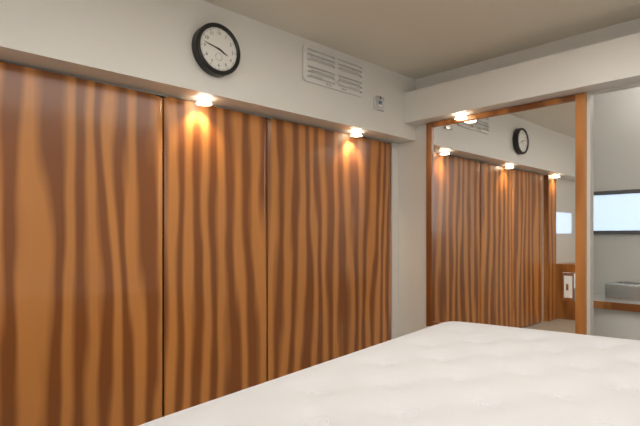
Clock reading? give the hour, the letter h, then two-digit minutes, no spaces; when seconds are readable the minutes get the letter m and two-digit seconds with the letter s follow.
3h47
